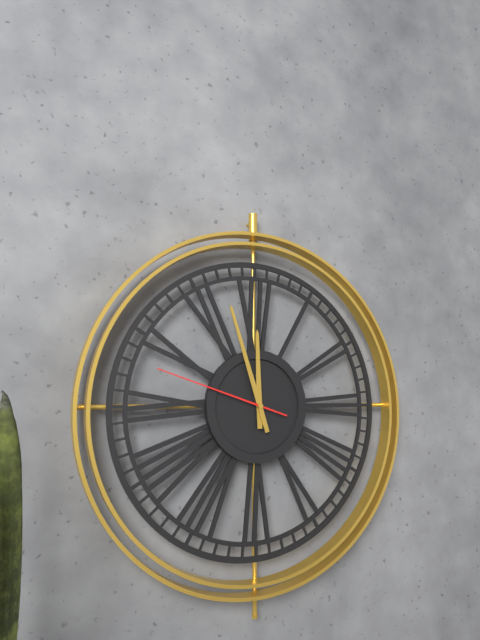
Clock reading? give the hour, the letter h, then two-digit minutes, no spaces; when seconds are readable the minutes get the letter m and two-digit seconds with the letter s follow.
11h57m48s
